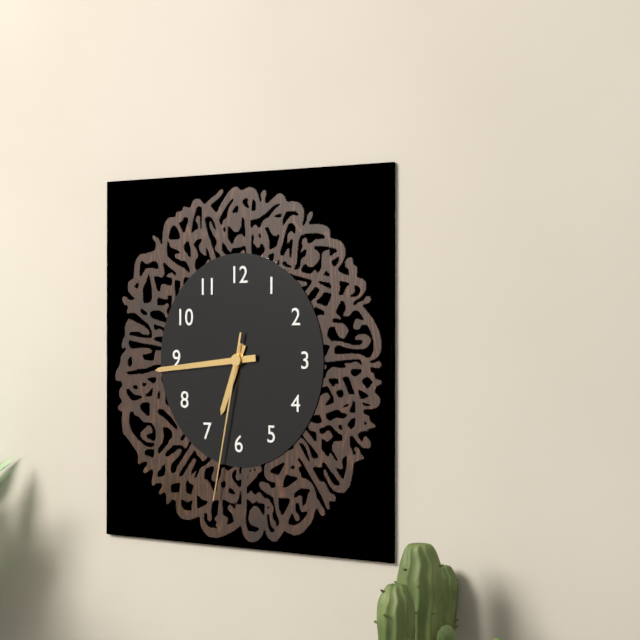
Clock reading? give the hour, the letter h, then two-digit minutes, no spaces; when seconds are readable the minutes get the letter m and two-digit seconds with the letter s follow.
6h44m32s
